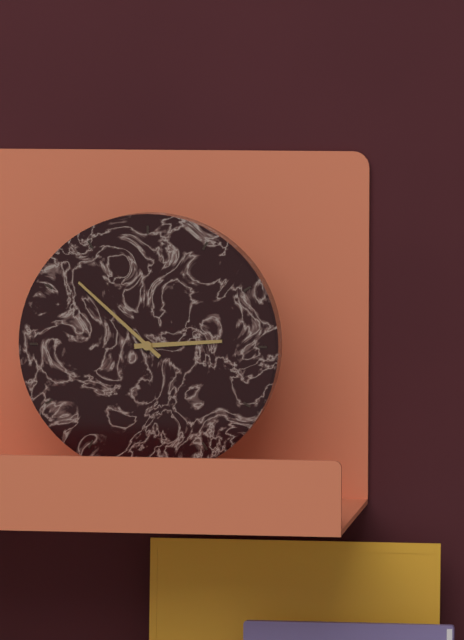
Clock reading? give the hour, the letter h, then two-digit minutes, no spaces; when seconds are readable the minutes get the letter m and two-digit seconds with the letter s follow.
2h52
